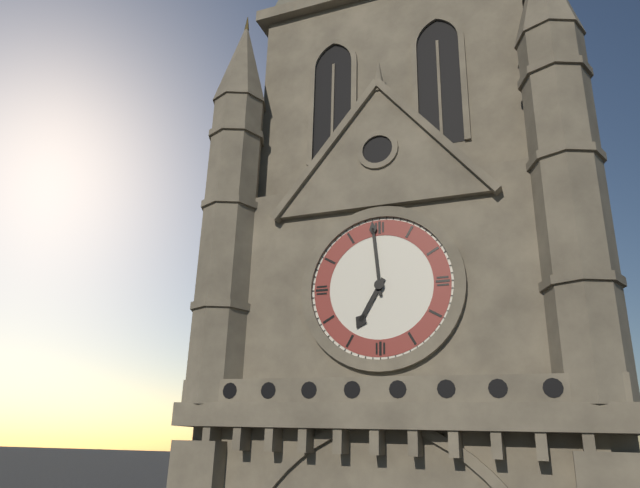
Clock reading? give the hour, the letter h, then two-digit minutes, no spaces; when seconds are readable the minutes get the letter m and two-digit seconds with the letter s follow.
6h59
